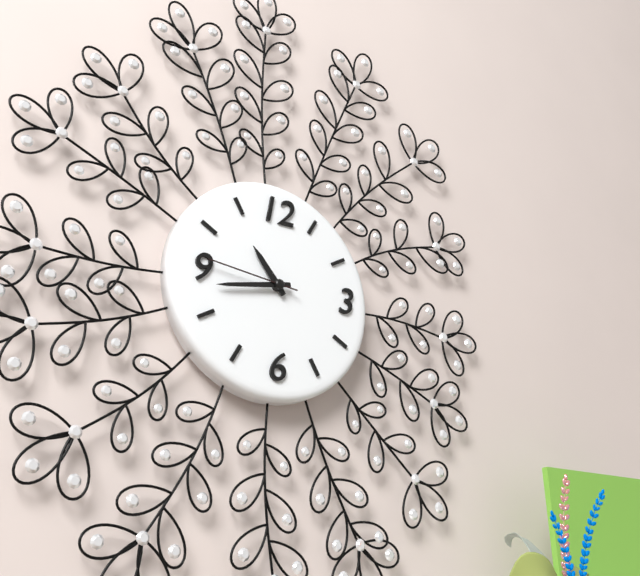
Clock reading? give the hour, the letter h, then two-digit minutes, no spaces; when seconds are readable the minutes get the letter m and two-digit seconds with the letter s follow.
10h43m46s
